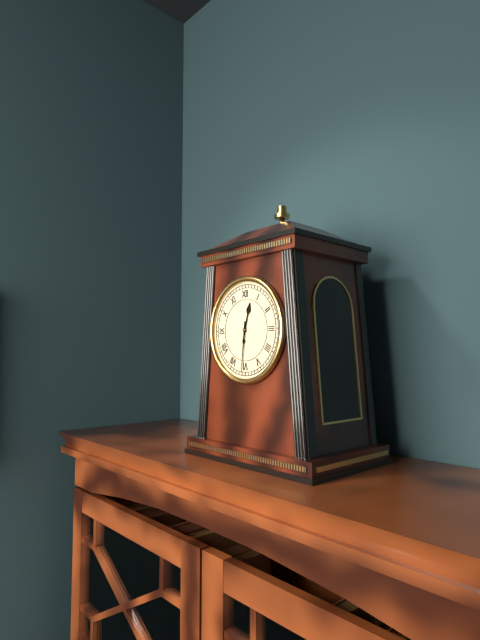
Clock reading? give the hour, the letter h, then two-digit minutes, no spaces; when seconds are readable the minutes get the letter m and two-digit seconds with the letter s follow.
12h31
